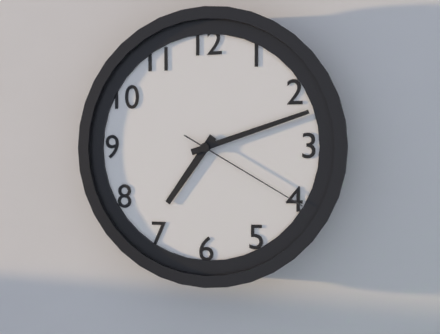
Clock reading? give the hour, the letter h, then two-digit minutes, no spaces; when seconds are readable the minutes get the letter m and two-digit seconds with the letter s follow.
7h12m20s
